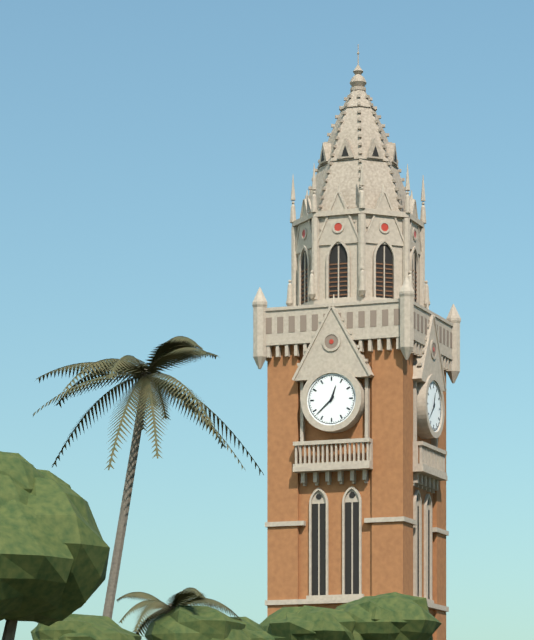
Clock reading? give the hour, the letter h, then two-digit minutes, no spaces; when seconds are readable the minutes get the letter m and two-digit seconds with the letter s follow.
12h38
